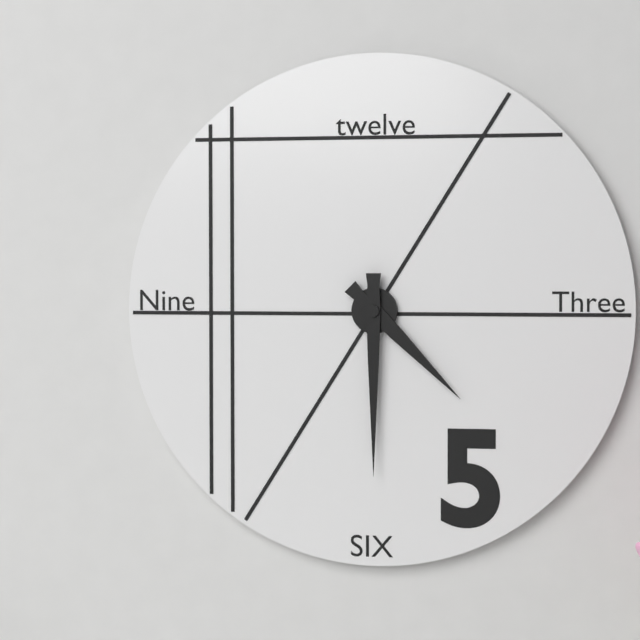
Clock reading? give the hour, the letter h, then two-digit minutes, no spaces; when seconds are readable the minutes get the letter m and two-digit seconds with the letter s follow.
4h30
